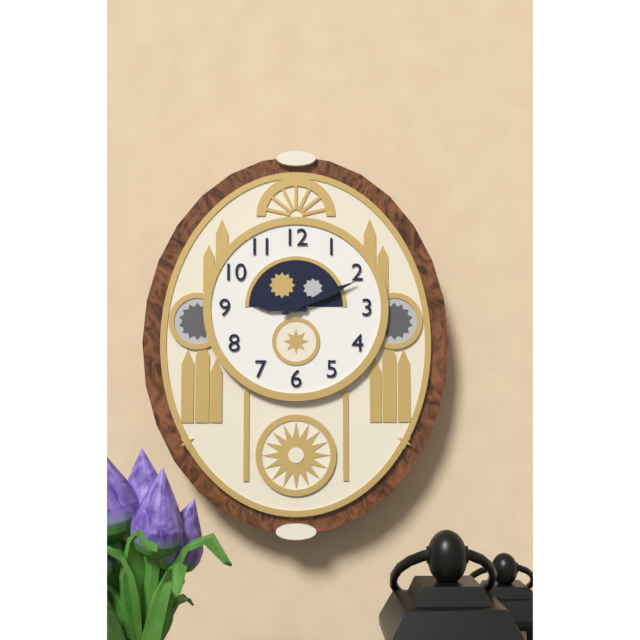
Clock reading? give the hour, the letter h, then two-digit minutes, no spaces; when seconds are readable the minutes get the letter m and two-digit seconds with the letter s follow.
9h11
